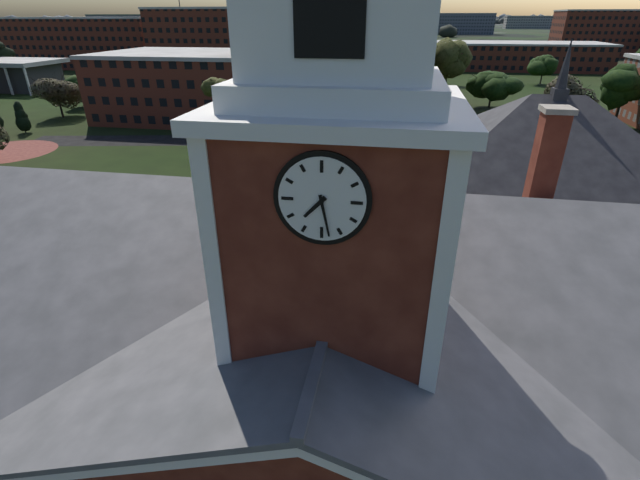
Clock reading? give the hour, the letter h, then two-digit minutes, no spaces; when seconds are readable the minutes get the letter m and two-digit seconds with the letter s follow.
7h28
